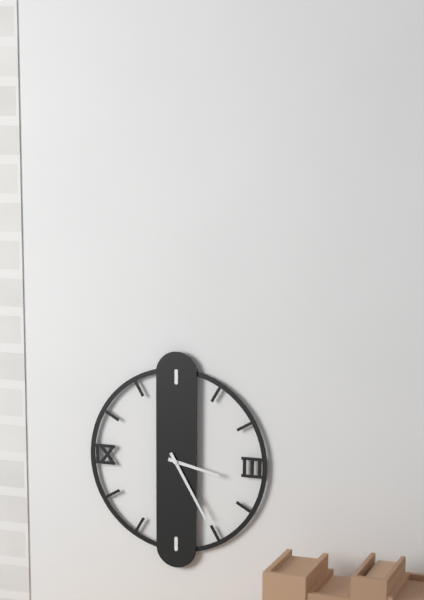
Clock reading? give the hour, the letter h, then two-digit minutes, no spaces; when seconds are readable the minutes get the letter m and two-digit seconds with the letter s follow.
3h25
